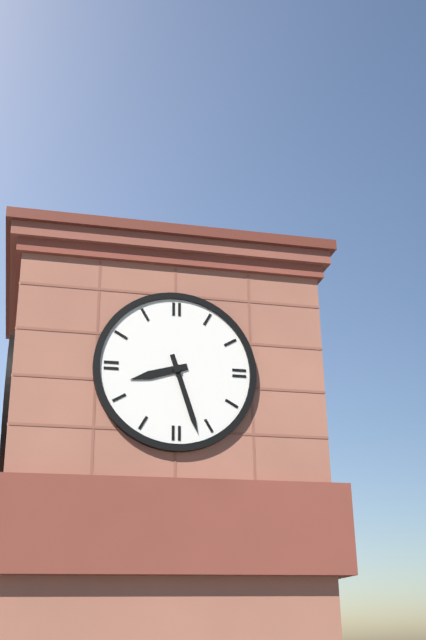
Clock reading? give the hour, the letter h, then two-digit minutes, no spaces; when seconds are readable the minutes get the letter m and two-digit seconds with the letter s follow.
8h27
